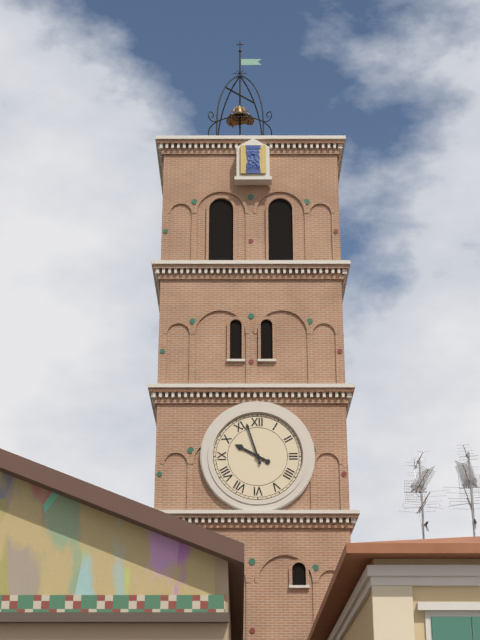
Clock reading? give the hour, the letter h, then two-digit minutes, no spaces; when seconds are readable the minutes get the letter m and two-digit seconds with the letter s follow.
9h57
